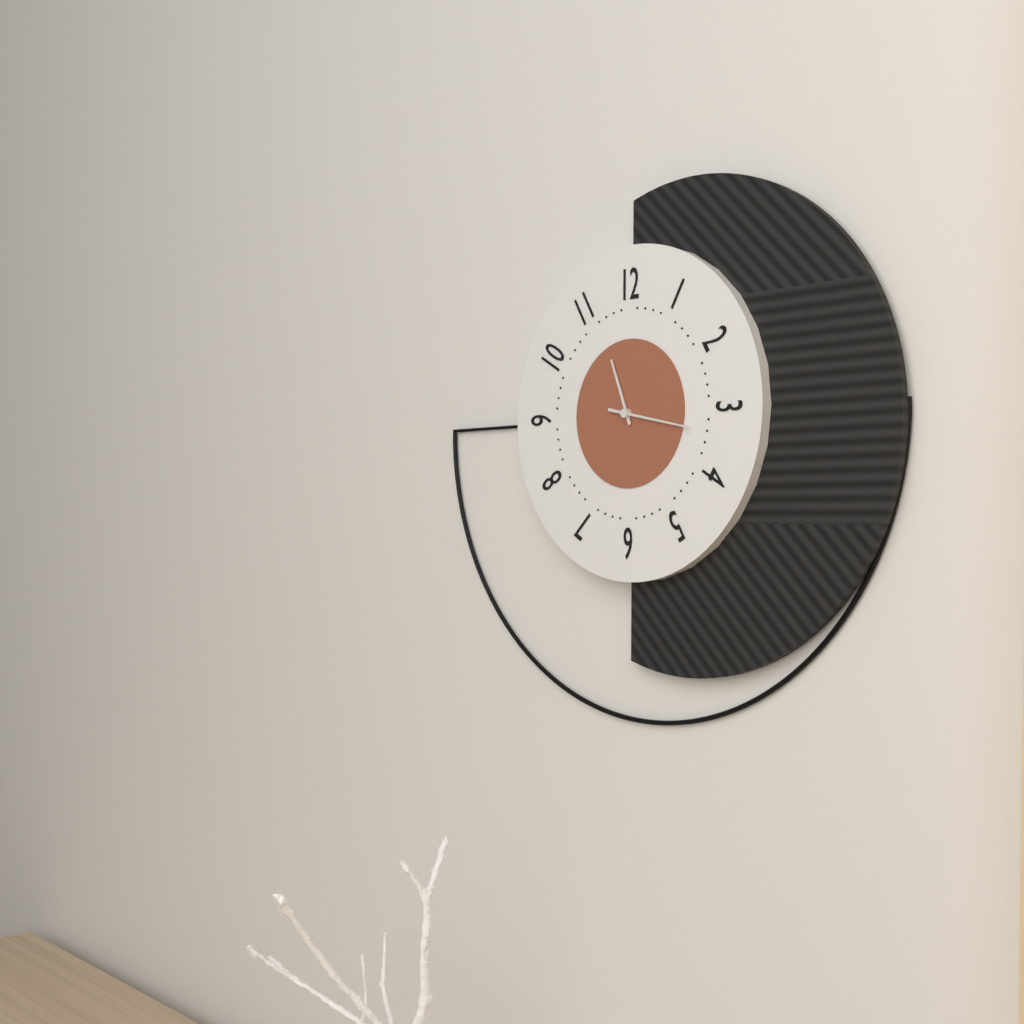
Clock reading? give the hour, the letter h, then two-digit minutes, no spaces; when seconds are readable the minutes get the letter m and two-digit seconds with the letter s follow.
11h17
